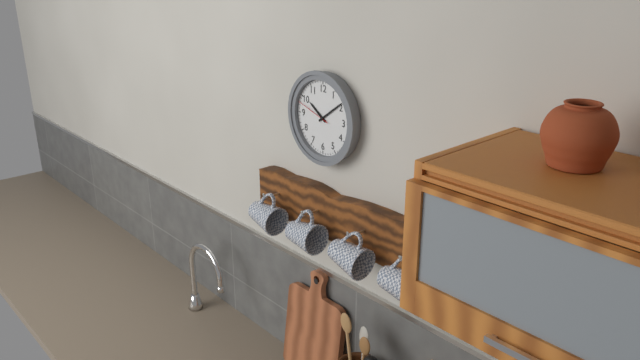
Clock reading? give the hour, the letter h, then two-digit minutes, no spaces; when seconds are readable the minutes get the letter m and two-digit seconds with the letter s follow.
10h09
